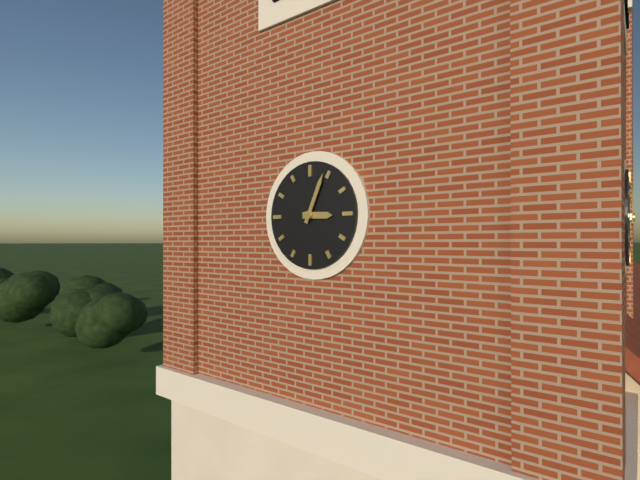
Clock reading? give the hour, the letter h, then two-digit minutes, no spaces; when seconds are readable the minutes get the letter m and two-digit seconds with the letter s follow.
3h04
